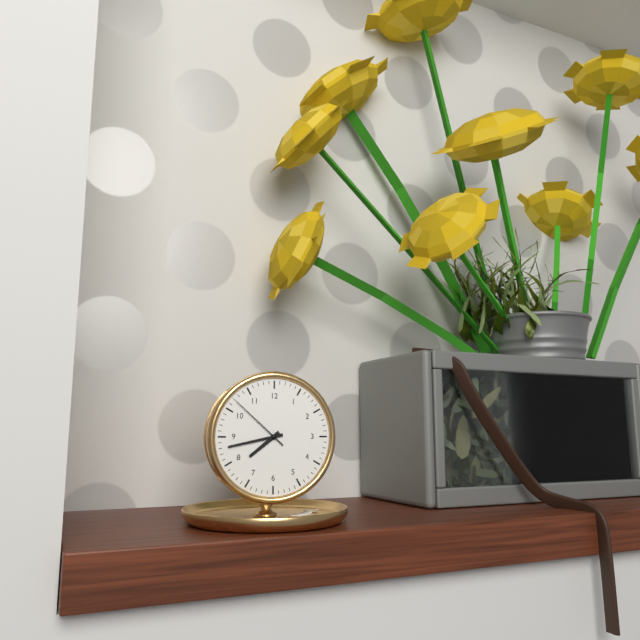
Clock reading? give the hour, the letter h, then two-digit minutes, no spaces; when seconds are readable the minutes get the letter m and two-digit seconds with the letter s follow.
7h43m52s
